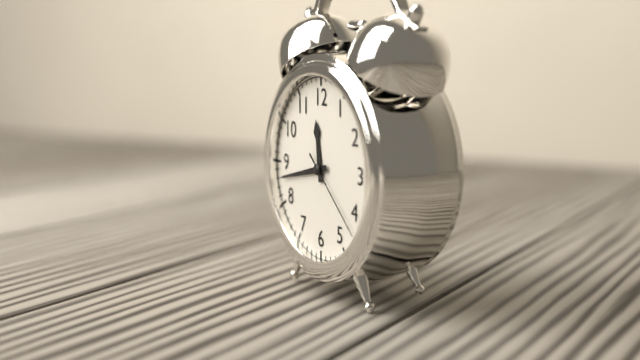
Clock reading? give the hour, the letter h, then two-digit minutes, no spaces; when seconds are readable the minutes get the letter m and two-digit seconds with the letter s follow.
11h43m22s
